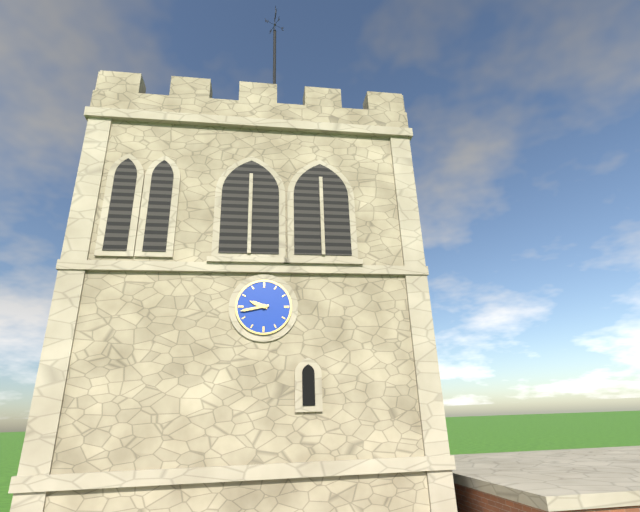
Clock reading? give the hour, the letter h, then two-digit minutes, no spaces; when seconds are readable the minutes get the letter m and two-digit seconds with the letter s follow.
9h43
